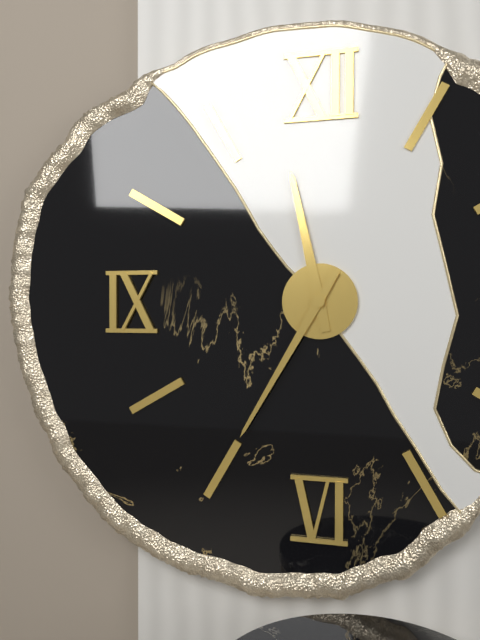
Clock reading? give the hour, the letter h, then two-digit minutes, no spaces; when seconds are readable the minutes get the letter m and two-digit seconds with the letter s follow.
11h35
